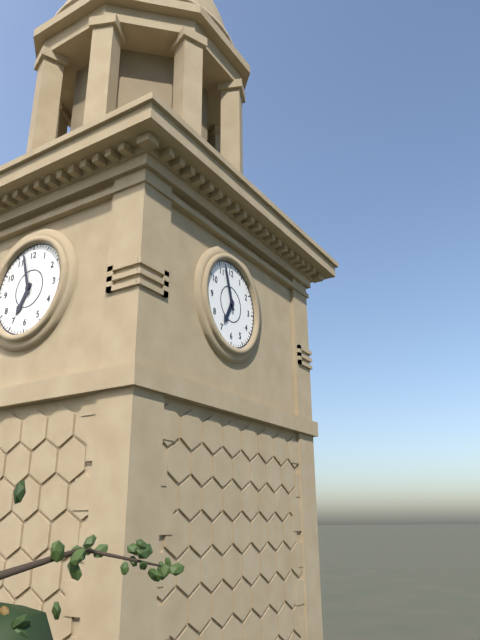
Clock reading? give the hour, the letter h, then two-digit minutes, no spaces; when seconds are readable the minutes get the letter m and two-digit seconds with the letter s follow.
6h57
